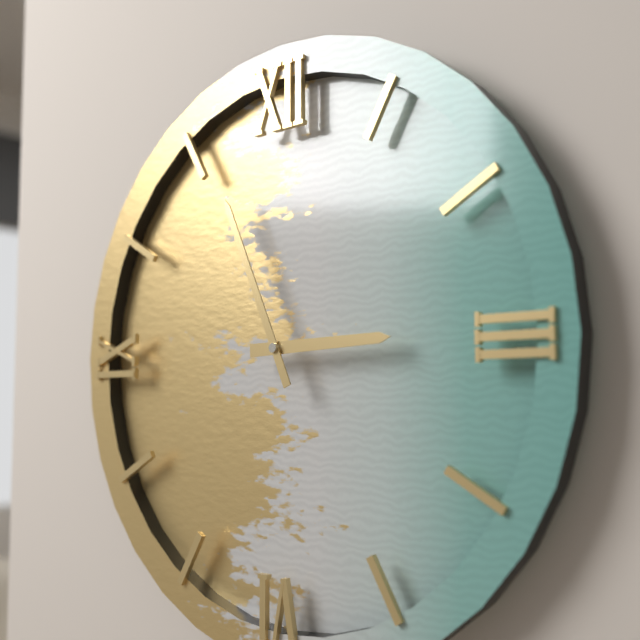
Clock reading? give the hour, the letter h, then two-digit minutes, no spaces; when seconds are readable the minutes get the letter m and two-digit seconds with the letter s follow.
2h56
